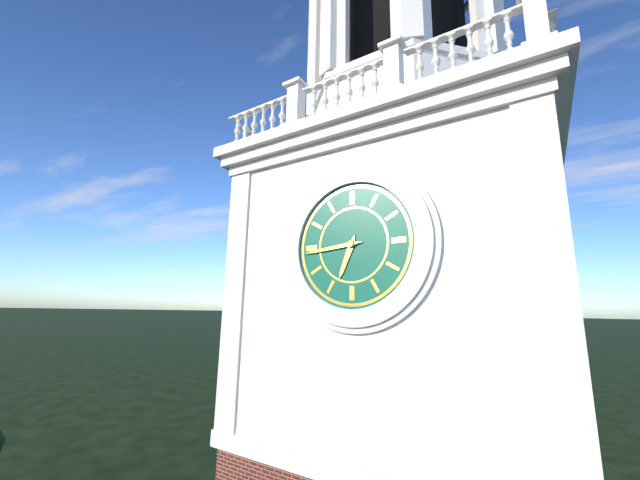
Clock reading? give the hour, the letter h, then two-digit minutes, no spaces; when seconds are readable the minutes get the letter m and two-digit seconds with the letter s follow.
6h44
